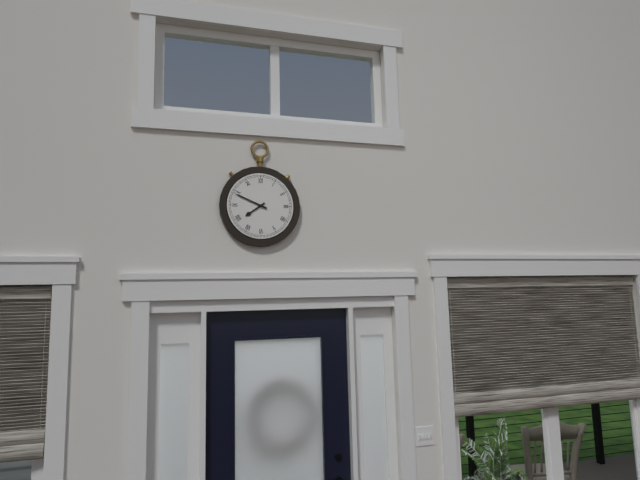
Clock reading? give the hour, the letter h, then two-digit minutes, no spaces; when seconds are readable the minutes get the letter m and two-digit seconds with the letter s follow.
7h49
